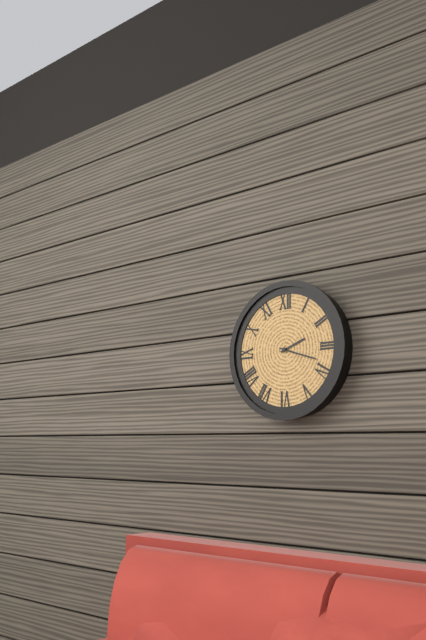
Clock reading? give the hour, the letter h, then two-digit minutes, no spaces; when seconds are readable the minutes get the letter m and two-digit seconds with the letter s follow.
2h18
